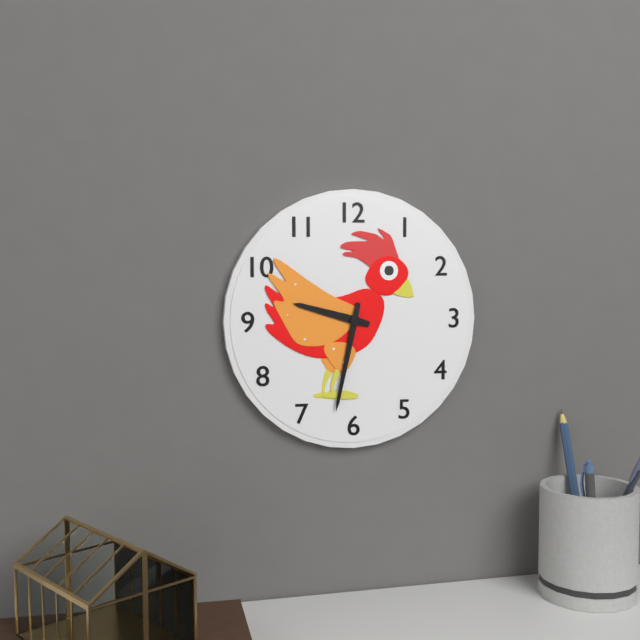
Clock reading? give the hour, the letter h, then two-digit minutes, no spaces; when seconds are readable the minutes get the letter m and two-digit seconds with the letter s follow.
9h32
